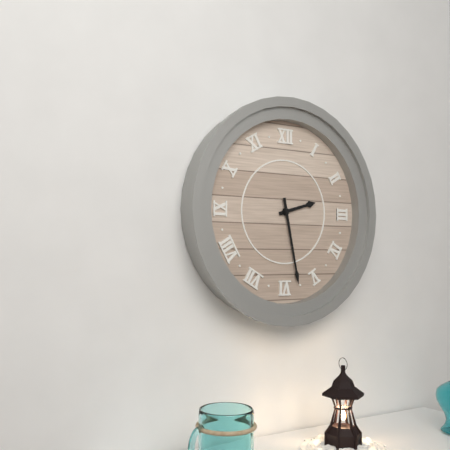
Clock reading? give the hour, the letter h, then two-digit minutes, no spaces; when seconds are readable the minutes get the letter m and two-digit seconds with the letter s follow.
2h28
